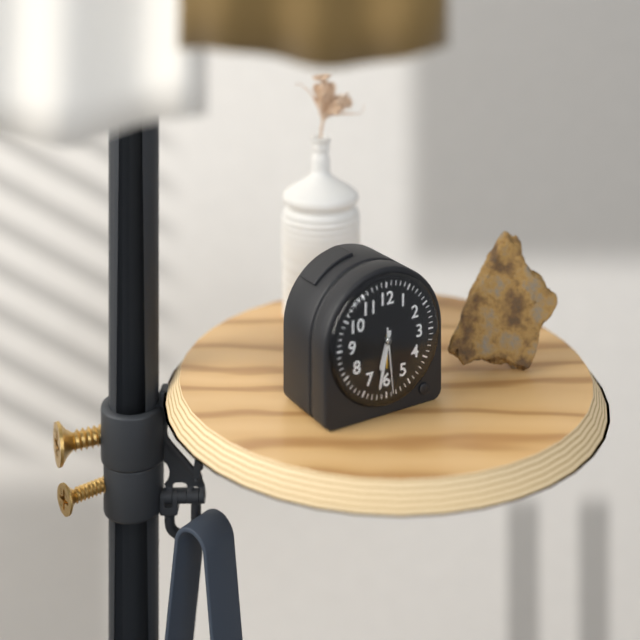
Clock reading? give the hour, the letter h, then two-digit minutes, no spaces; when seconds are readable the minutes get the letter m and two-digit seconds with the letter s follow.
6h32m29s
